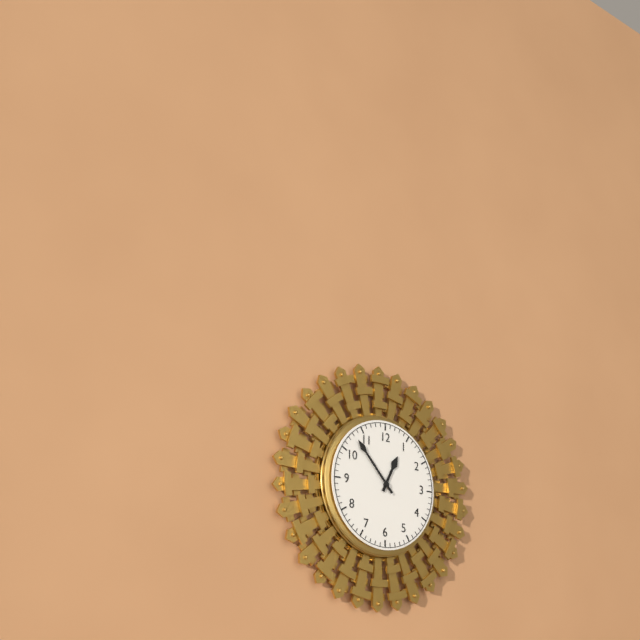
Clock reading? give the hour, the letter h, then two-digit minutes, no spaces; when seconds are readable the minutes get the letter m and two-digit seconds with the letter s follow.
12h53
